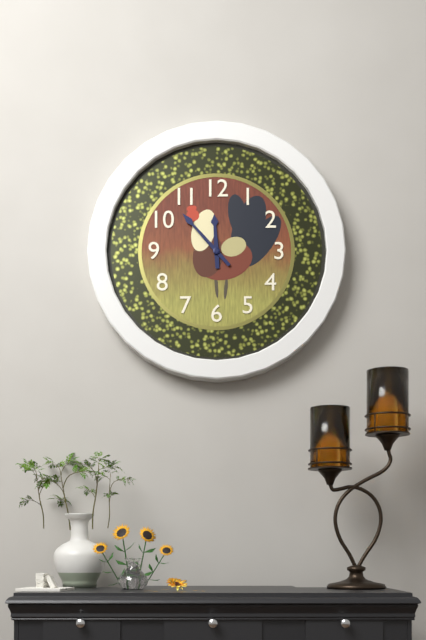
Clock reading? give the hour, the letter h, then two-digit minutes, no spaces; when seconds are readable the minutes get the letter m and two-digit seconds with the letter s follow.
11h53
